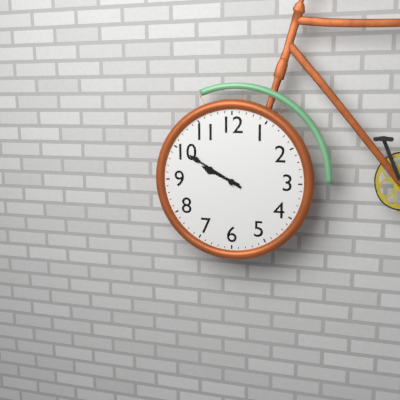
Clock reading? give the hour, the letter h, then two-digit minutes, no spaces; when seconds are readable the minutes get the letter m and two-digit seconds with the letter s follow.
9h50
